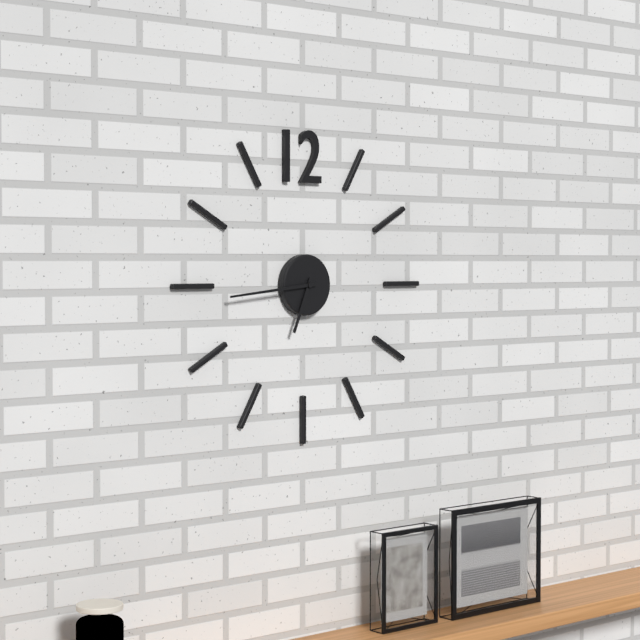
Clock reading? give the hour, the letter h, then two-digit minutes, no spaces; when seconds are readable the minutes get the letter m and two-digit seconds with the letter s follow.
6h44
